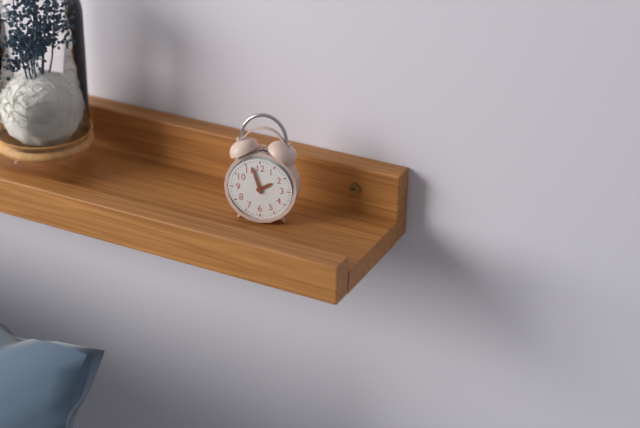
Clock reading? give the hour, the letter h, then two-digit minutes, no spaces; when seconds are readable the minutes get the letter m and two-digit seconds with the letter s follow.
1h57
